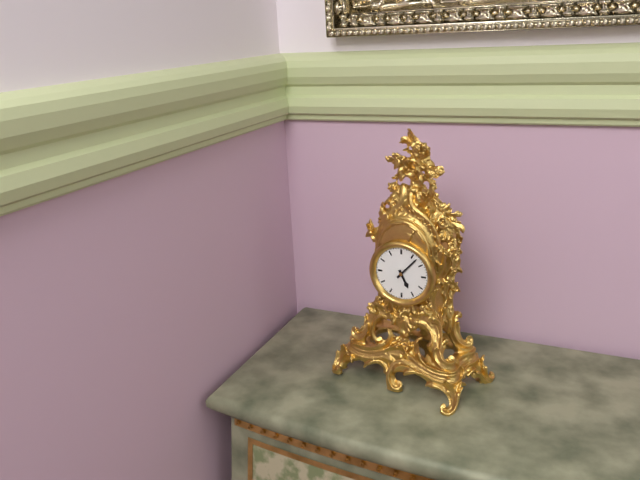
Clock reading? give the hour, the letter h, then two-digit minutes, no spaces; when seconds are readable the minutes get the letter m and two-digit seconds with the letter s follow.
5h07
